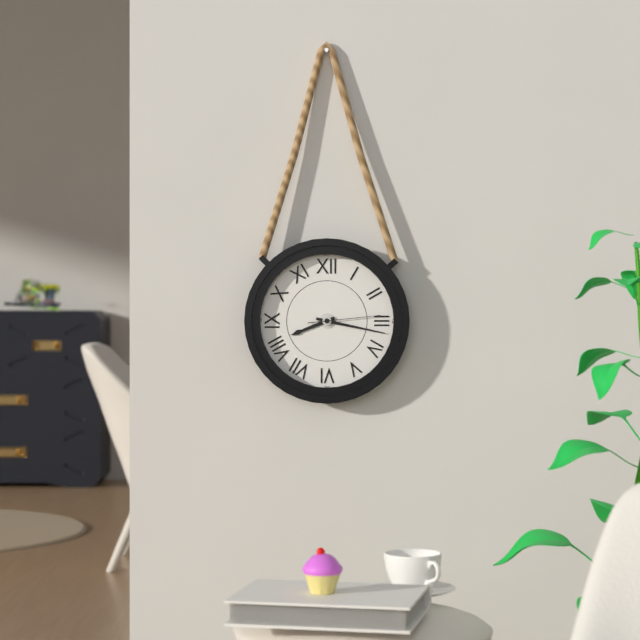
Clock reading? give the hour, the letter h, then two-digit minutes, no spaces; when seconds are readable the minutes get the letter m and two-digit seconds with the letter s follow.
8h17m14s
